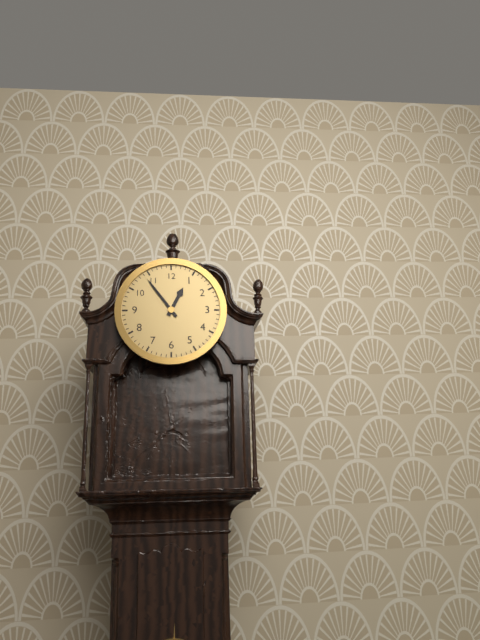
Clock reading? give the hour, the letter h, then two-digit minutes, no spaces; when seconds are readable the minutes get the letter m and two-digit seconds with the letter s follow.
12h54
